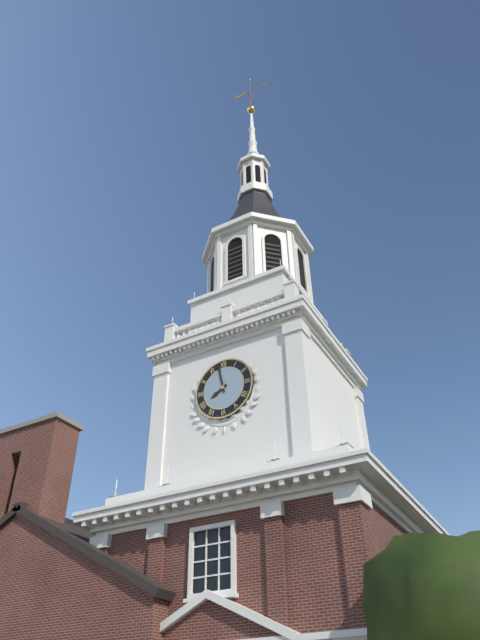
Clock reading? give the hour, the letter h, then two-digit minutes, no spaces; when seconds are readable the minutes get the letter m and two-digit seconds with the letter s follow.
7h58
